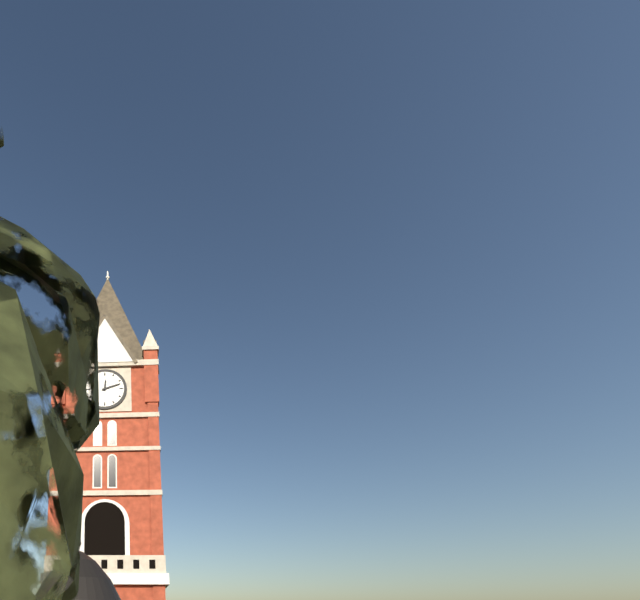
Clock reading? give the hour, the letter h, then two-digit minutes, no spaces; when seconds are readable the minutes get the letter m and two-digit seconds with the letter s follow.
12h12
